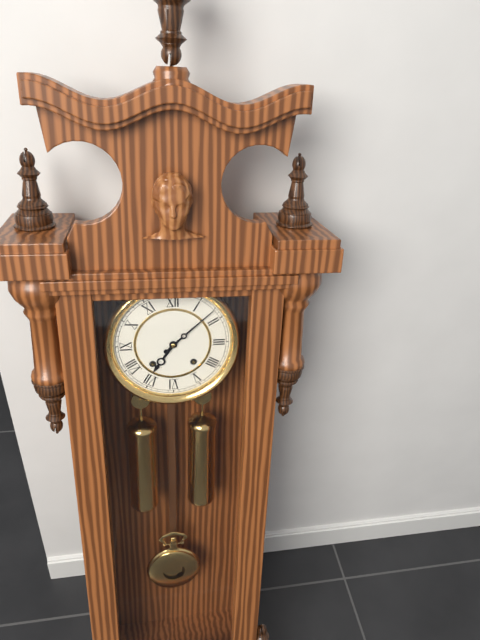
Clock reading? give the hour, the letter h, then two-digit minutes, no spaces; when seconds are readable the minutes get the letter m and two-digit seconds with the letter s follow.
7h08
